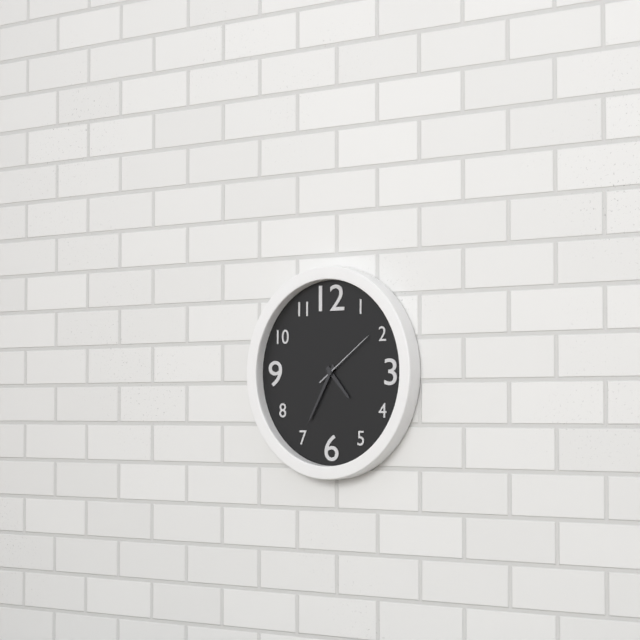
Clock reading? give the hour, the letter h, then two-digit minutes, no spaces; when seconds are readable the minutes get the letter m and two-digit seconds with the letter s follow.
4h35m09s
